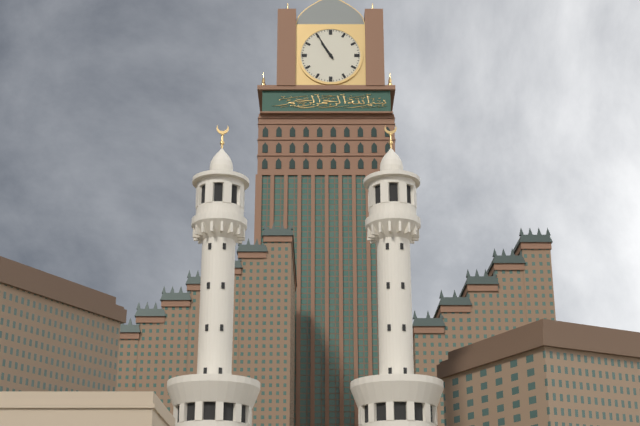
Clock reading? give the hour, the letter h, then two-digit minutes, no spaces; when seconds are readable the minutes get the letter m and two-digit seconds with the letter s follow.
10h55
